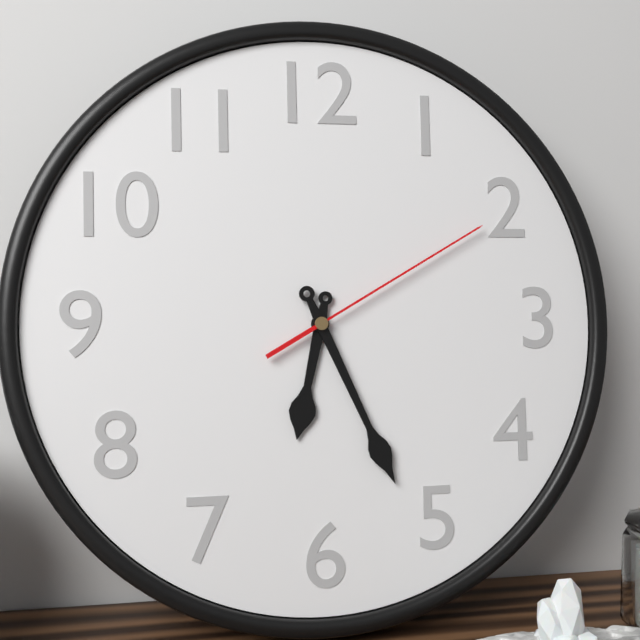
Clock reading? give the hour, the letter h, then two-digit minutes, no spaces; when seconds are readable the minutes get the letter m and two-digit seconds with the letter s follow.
6h26m10s
